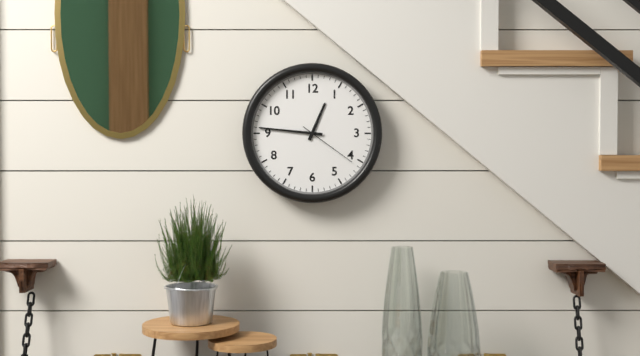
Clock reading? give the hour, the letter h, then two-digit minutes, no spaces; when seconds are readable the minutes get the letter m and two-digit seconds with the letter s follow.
12h46m21s
